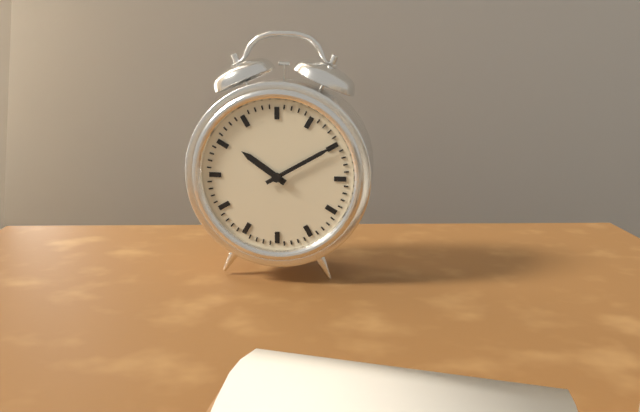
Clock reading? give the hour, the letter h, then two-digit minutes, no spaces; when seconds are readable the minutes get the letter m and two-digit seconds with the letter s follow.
10h10
